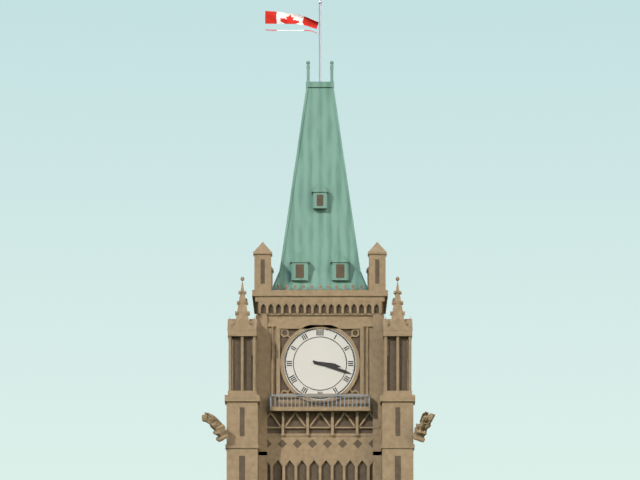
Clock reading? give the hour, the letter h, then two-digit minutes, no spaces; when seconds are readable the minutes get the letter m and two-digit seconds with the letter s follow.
3h18
